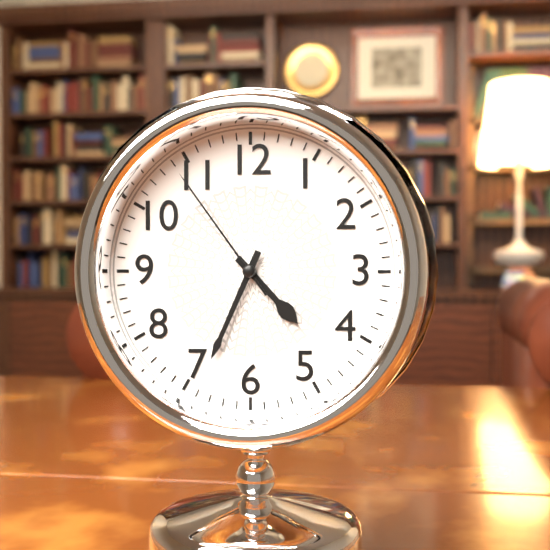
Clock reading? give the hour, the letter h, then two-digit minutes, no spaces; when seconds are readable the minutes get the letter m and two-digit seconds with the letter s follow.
4h34m54s
